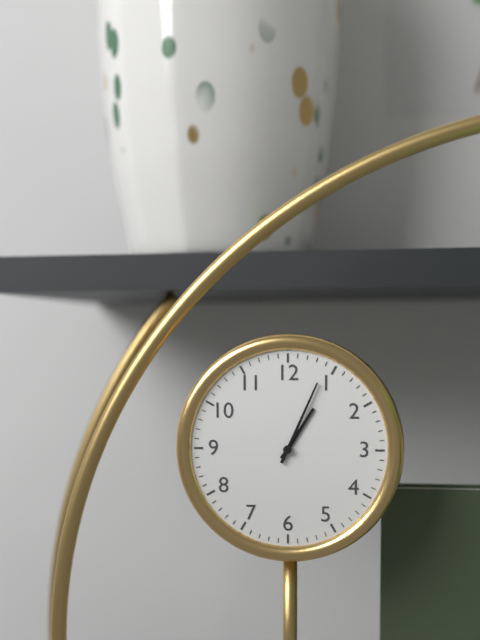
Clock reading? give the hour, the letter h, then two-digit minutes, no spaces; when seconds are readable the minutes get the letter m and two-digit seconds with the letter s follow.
1h04
